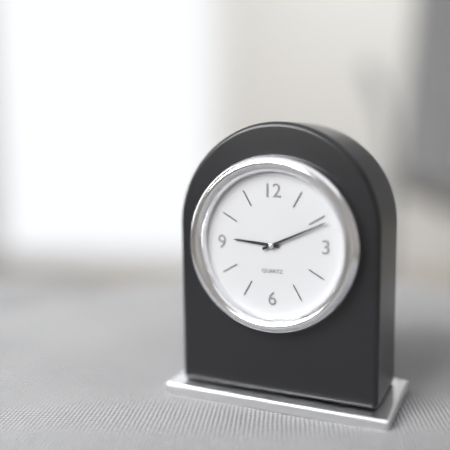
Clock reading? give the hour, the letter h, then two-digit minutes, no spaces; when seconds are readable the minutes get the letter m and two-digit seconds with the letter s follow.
9h11
